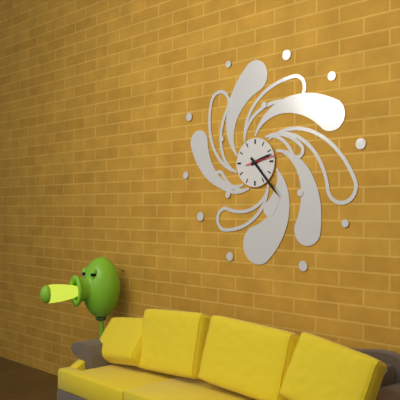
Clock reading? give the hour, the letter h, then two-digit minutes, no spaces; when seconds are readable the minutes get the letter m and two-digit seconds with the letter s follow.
2h23
